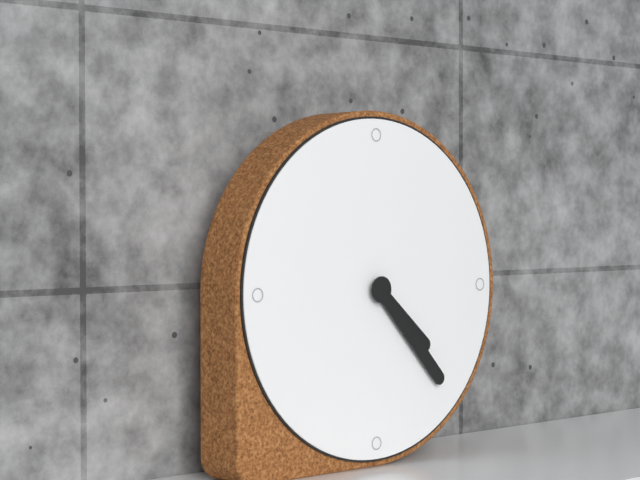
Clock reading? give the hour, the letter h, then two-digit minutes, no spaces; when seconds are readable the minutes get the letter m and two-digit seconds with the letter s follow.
4h23
